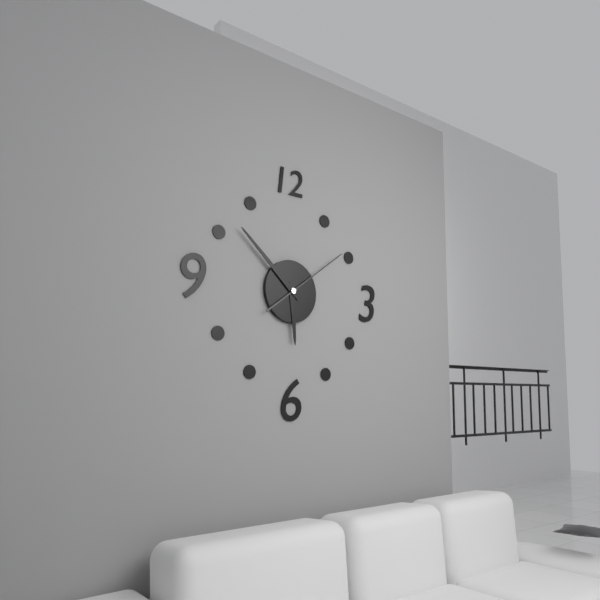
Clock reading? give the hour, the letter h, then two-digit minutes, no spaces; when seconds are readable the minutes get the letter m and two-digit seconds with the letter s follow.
5h52m09s
